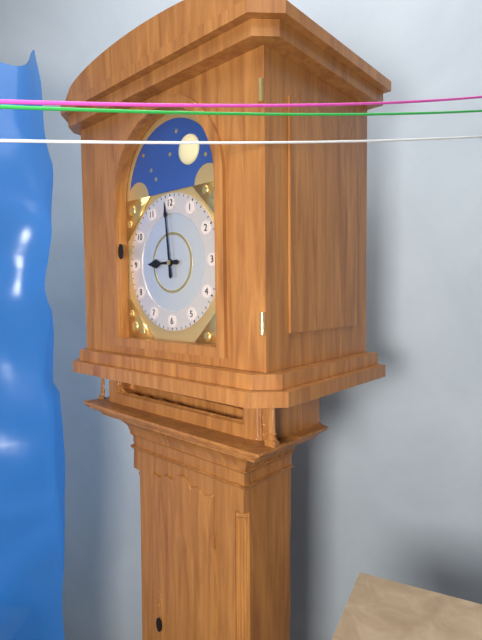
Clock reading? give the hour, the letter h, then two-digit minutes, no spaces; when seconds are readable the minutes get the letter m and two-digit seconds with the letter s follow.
8h59
